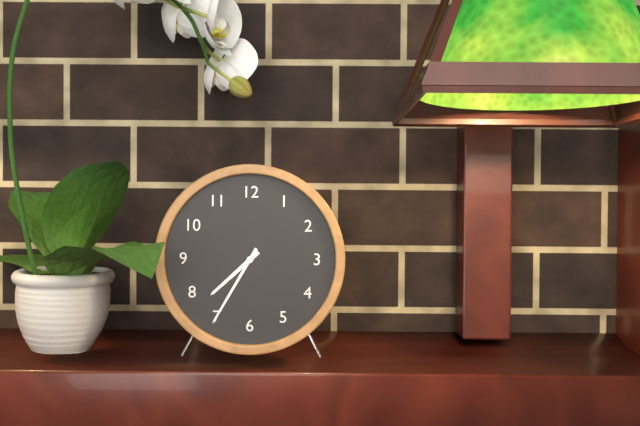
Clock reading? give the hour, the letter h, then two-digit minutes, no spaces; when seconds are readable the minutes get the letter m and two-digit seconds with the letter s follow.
7h35
